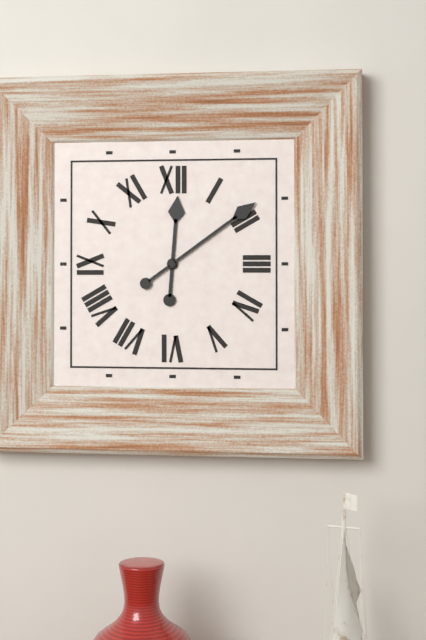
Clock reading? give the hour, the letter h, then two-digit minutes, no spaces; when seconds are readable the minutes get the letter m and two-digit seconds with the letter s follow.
12h09
